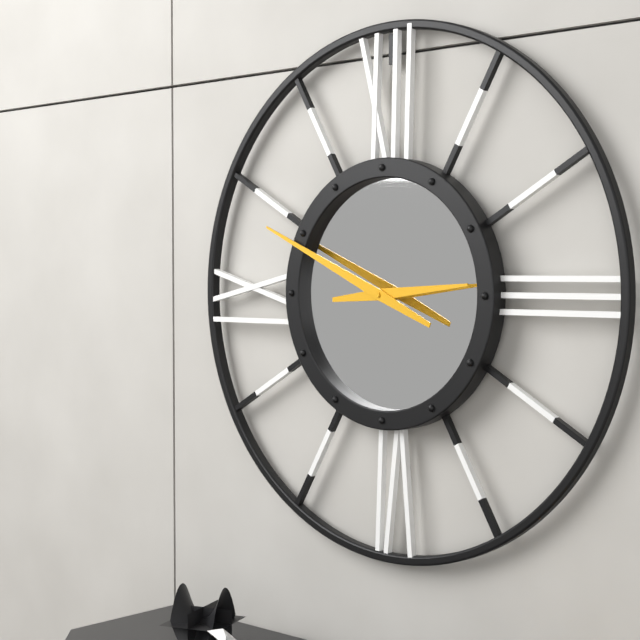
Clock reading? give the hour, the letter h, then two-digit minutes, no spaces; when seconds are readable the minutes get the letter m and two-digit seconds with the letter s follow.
2h49
